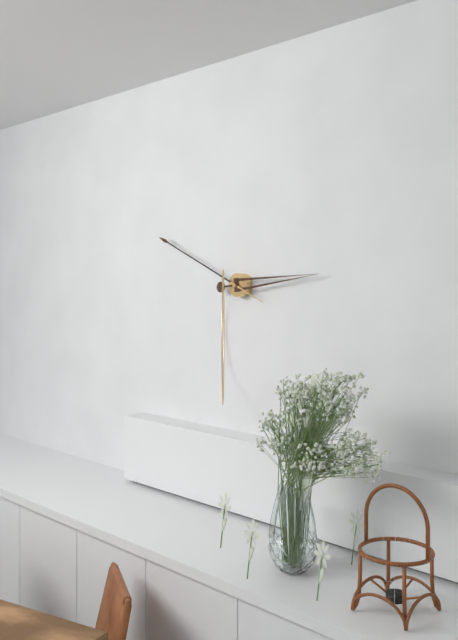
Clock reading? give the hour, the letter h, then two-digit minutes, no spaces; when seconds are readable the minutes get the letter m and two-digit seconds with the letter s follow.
2h49
